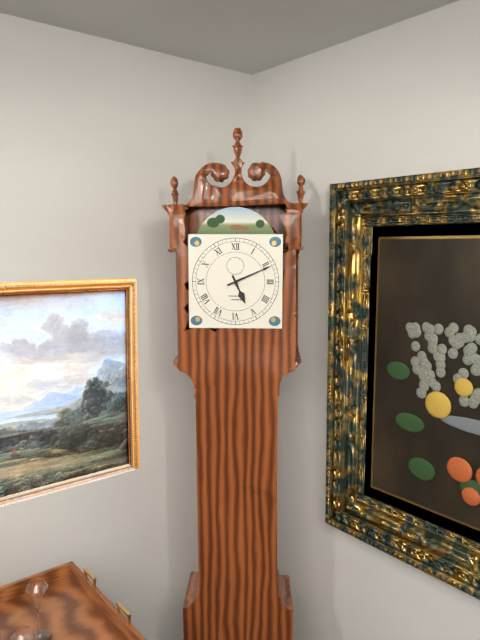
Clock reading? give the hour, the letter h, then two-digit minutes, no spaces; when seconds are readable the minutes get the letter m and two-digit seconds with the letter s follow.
5h11
